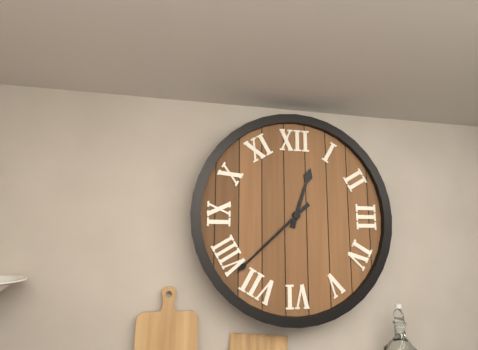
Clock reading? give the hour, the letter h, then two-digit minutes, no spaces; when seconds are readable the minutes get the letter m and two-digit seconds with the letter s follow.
12h38
